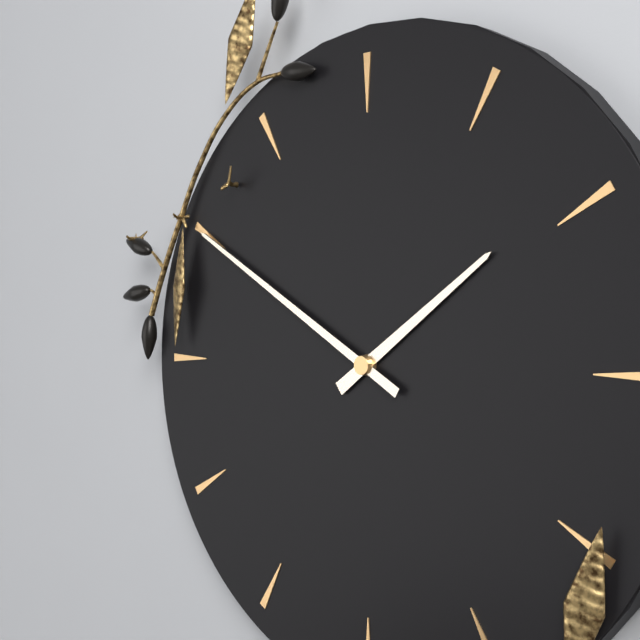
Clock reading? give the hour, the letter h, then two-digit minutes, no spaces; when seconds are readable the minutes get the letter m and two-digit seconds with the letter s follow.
1h50
